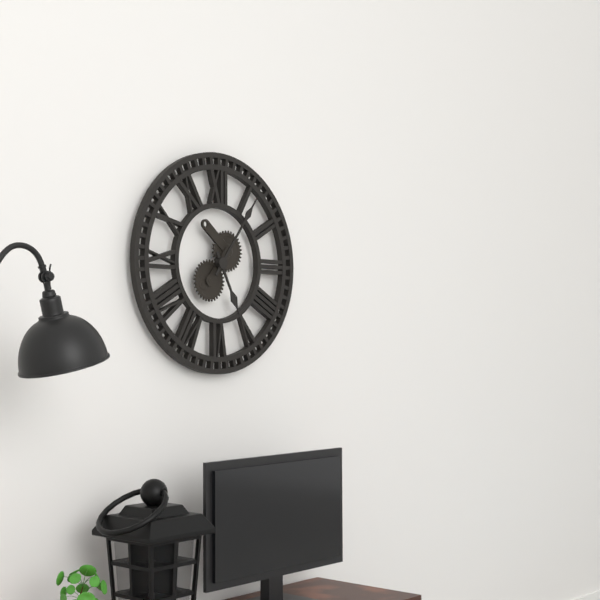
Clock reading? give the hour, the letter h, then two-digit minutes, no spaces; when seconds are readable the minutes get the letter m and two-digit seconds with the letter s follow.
5h06
